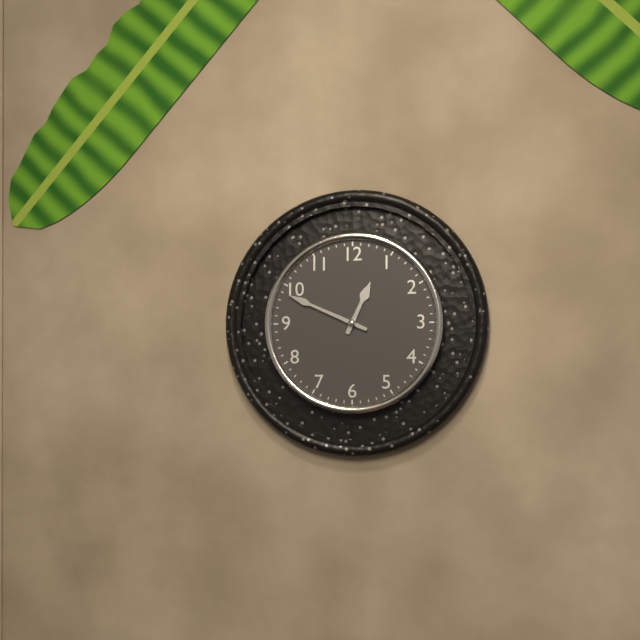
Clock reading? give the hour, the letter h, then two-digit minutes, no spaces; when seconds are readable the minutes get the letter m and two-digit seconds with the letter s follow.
12h49
